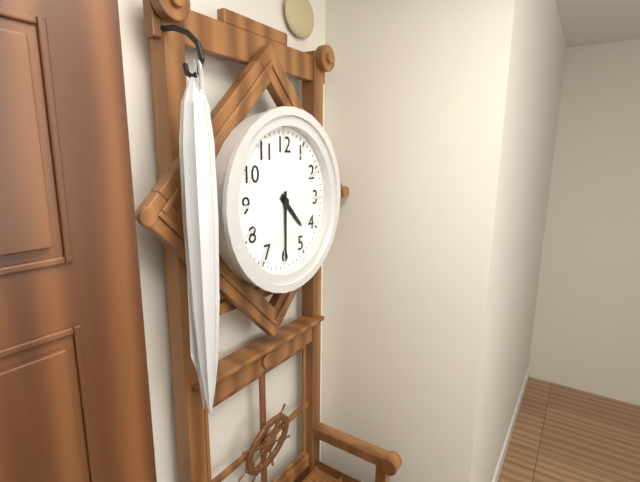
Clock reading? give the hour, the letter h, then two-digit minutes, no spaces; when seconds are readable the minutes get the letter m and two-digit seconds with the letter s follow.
4h30
